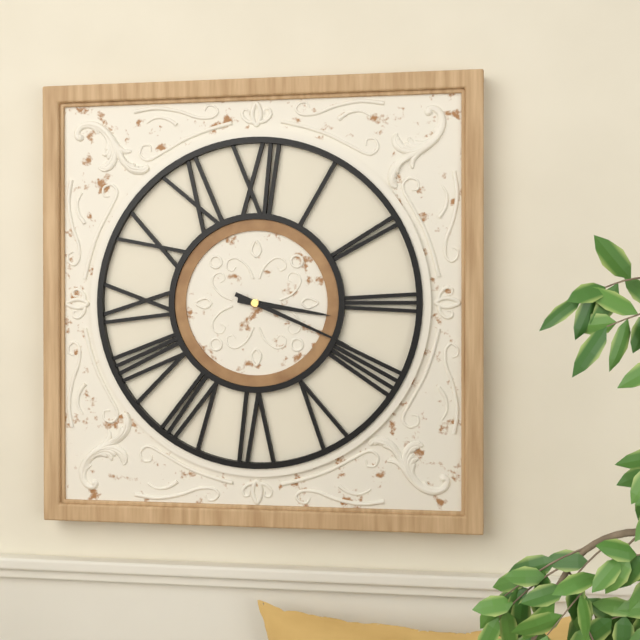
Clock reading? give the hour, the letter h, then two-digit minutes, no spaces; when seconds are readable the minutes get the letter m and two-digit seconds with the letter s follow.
3h19
